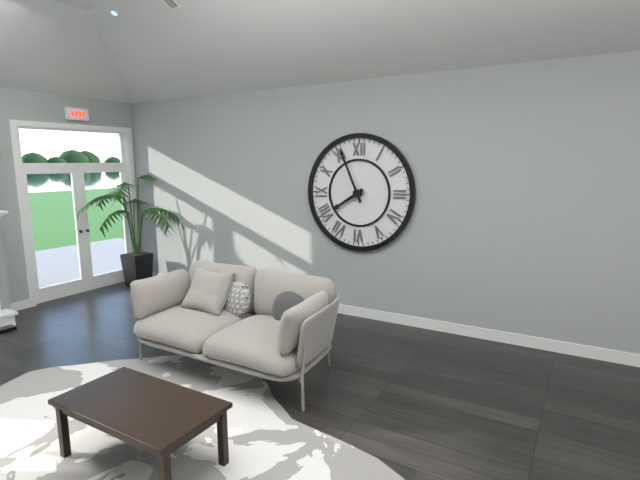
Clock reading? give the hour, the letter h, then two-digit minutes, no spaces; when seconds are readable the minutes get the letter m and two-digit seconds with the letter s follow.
7h56
